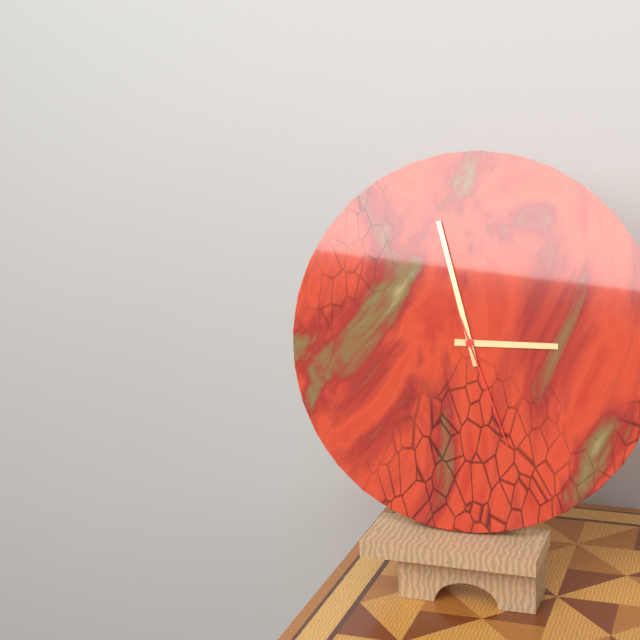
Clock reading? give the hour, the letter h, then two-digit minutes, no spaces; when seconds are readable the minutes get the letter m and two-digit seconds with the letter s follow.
2h57m26s
